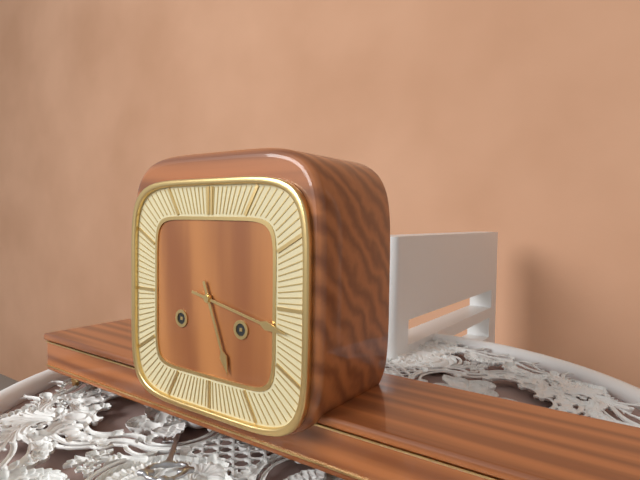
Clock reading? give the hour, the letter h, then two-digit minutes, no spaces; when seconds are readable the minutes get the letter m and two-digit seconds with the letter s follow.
5h17
